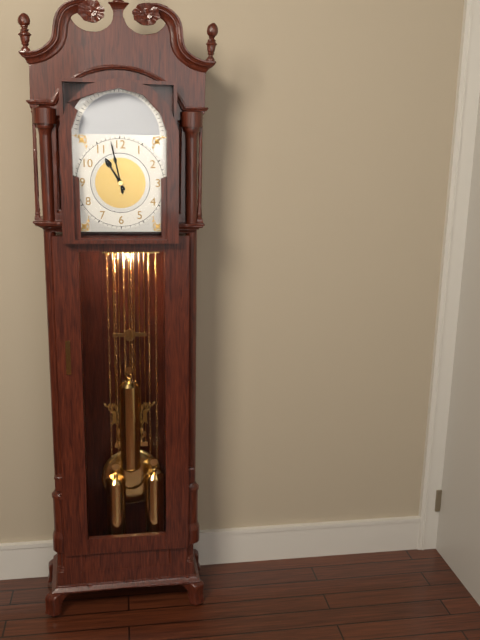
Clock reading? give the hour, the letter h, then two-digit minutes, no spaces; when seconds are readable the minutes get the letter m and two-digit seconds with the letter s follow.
10h58
